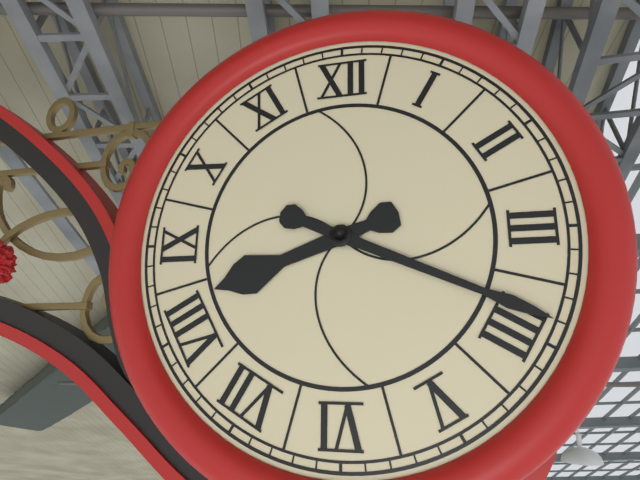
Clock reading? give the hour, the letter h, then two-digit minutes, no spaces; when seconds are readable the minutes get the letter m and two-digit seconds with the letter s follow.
8h19
